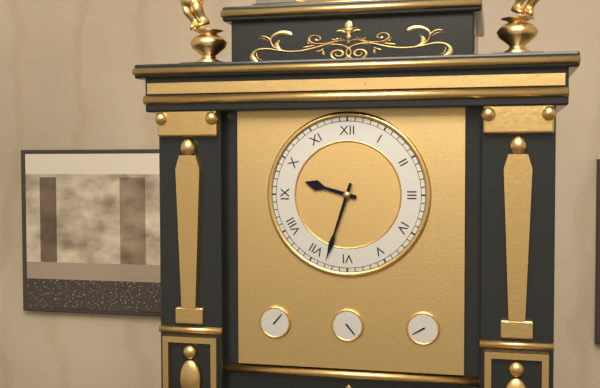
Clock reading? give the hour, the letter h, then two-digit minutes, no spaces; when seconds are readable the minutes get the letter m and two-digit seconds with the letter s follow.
9h33
